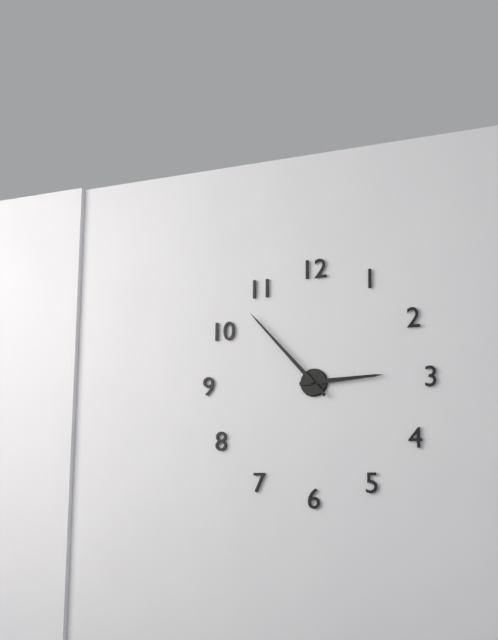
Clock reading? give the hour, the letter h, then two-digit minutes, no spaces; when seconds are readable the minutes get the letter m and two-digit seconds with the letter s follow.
2h53
